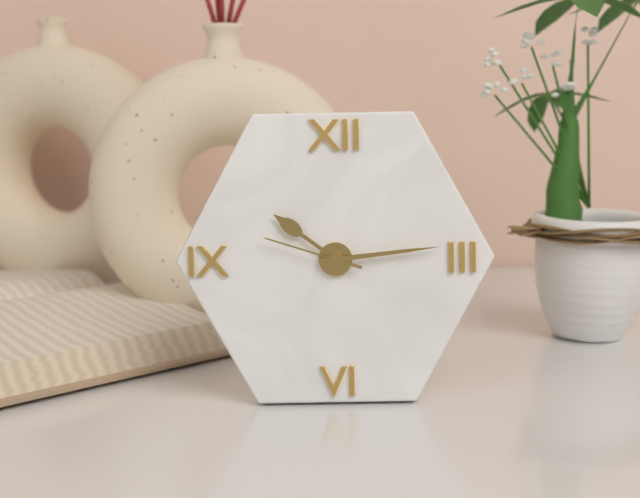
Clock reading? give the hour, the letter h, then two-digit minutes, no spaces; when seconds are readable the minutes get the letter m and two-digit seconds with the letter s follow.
10h14m48s
